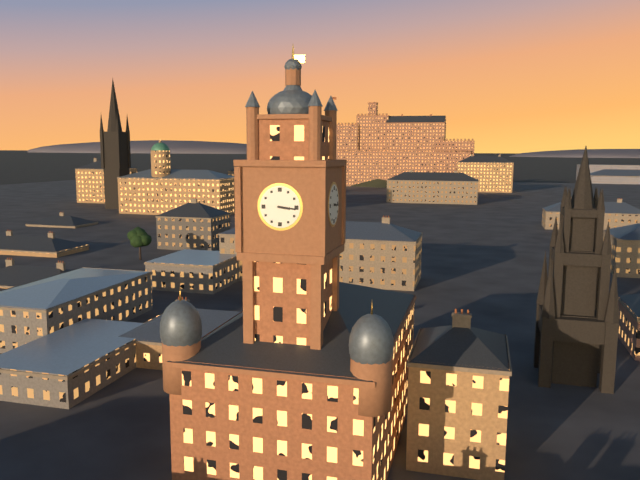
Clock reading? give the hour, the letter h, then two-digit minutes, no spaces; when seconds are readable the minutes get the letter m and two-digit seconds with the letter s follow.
3h16
